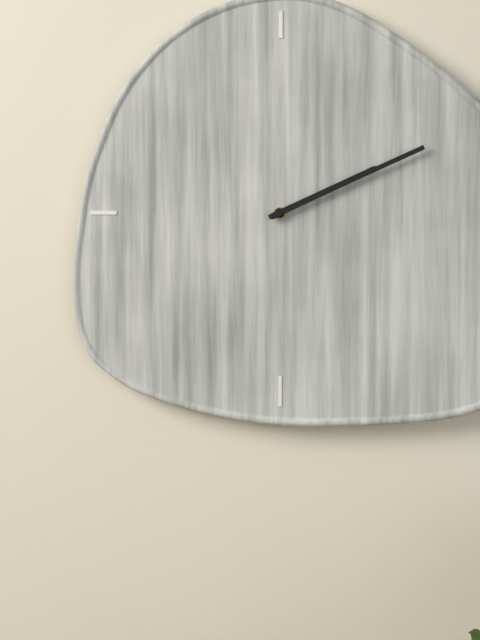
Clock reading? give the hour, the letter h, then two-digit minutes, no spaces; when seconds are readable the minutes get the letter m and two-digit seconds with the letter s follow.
2h11
